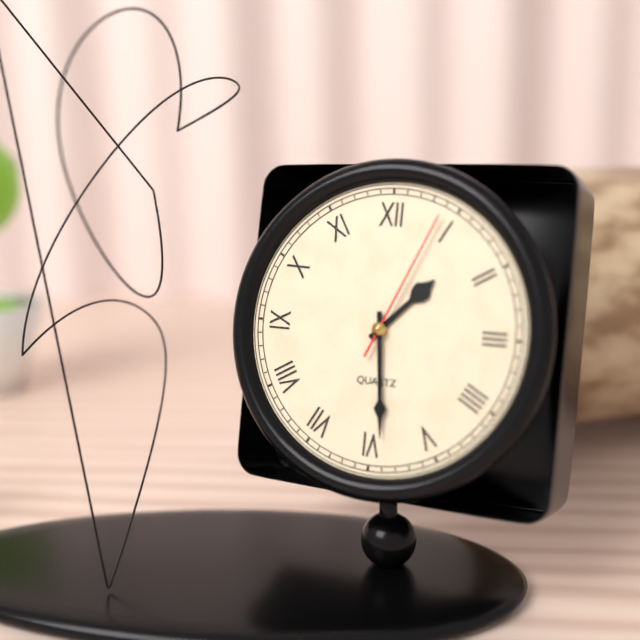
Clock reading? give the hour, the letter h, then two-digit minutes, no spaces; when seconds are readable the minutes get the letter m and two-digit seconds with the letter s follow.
1h29m04s
